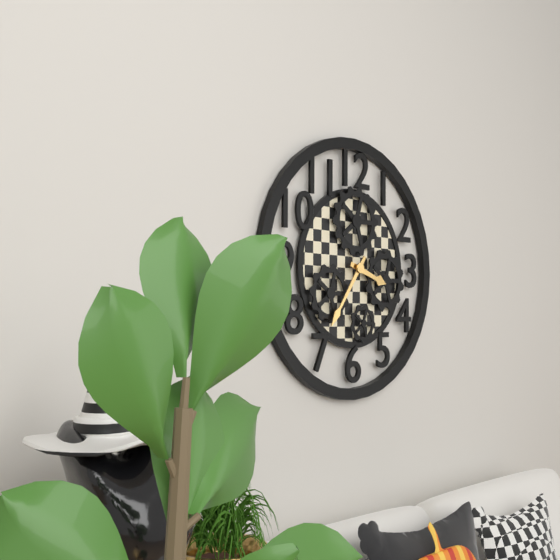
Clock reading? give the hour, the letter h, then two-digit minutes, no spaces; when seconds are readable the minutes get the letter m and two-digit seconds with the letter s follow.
3h36
